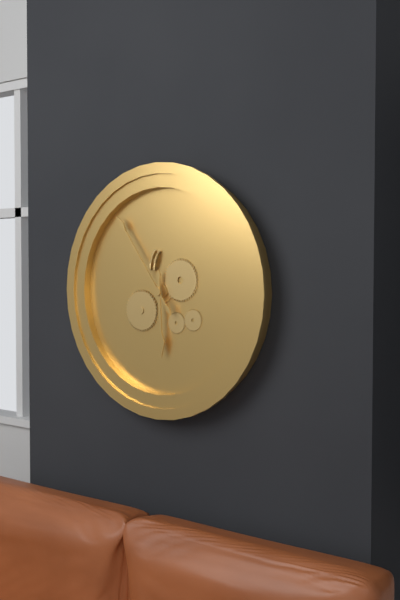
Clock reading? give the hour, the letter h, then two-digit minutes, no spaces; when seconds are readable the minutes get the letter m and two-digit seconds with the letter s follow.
5h54
